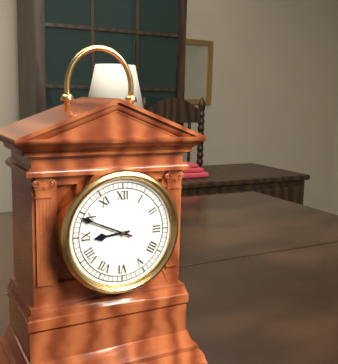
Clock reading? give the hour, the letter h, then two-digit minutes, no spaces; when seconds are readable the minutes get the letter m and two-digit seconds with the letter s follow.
8h49
